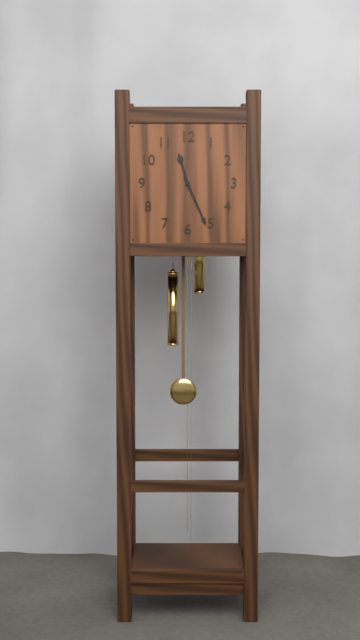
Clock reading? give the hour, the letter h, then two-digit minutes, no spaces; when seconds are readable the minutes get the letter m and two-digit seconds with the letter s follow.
11h26
